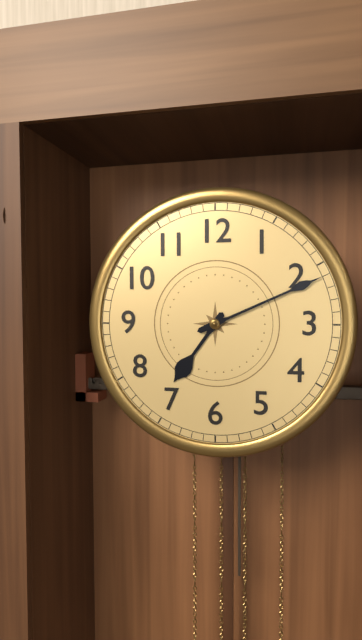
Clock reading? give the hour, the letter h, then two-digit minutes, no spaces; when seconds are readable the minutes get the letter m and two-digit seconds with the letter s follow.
7h11
